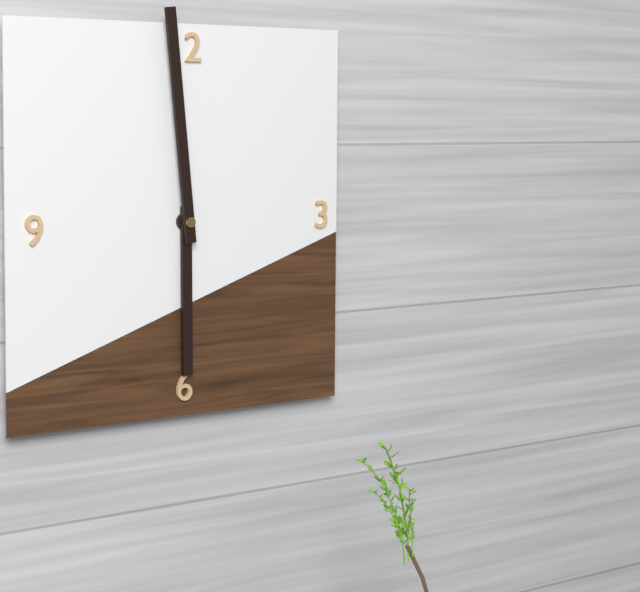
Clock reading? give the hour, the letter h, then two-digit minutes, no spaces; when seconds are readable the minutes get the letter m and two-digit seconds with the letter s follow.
5h59
